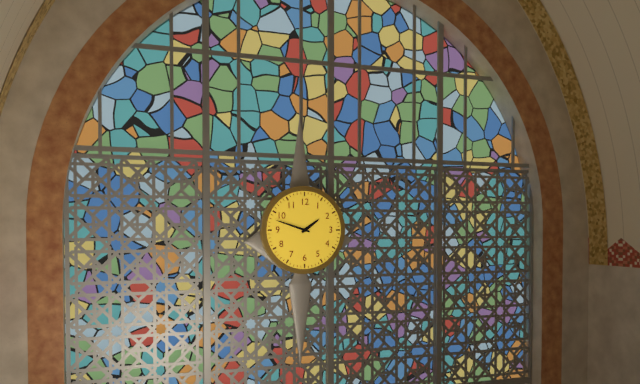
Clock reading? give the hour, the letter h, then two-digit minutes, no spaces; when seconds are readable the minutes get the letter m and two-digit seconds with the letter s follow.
1h48
